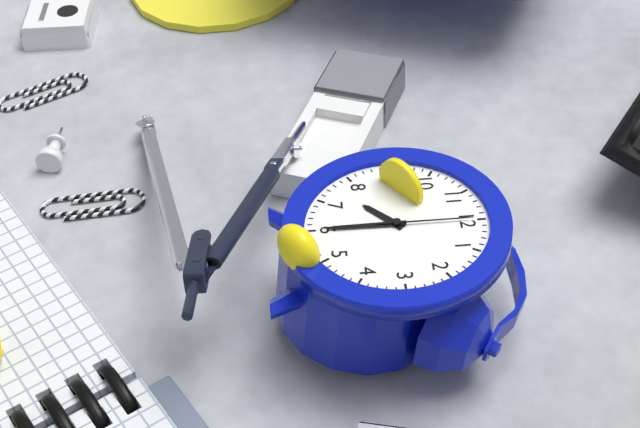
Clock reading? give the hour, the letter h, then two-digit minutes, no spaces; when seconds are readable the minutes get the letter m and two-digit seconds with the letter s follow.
7h30m00s
